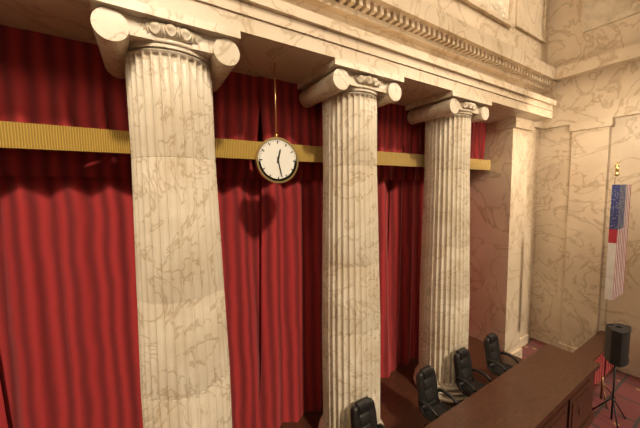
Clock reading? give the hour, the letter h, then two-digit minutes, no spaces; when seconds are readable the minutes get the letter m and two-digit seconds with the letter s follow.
12h28
